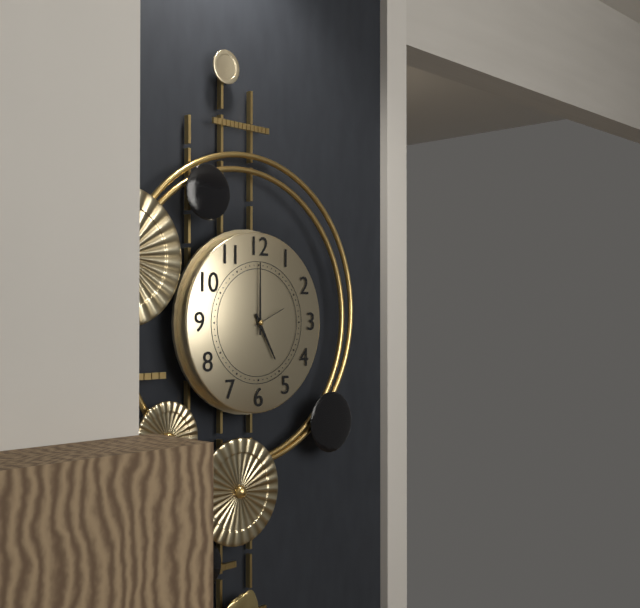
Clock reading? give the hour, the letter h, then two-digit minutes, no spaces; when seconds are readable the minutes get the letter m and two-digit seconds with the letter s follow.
5h00
